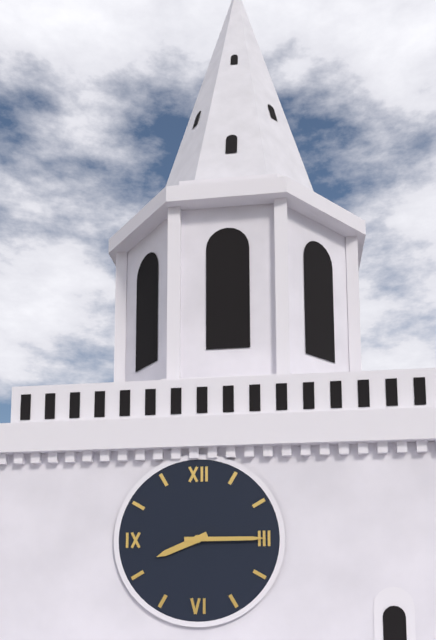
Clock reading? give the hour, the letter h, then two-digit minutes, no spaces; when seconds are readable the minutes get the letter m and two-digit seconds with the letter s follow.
8h15
